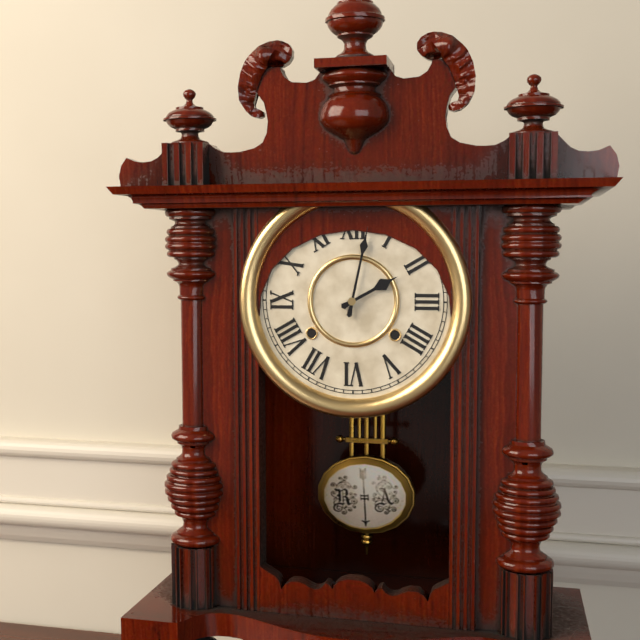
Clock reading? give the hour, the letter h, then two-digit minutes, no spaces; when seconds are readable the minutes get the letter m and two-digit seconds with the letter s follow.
2h02
